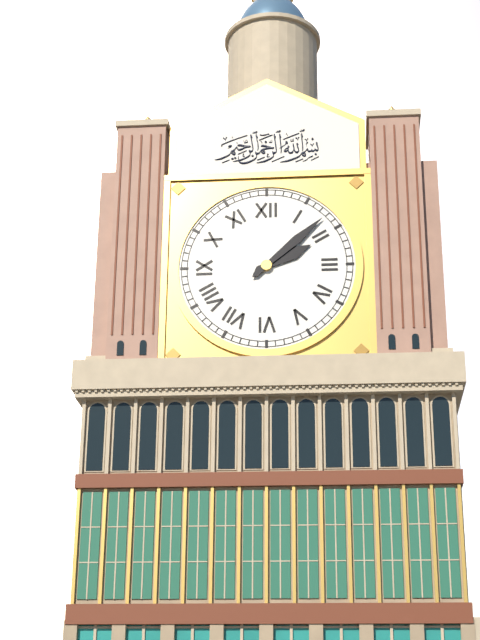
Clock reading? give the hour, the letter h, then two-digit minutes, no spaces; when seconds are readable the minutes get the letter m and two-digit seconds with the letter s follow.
2h08
